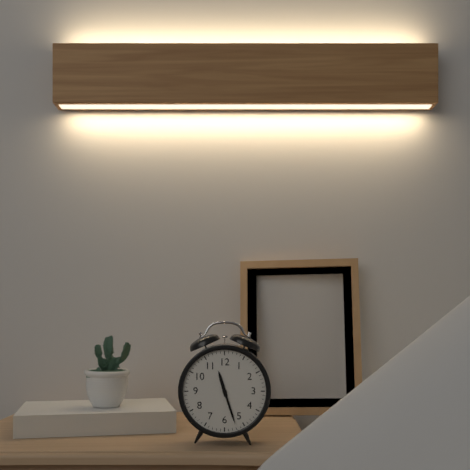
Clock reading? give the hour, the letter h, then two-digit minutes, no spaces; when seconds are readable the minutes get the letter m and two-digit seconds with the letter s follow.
11h27
